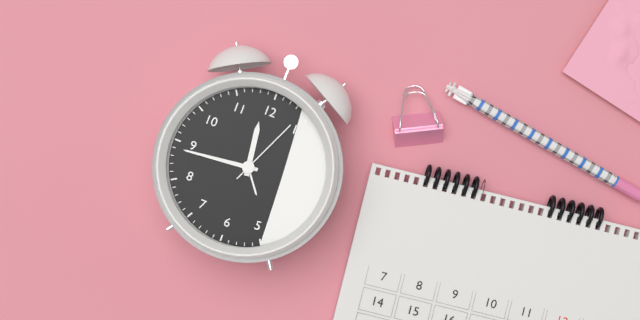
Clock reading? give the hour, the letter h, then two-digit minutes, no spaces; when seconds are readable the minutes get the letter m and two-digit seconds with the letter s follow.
11h44m04s
